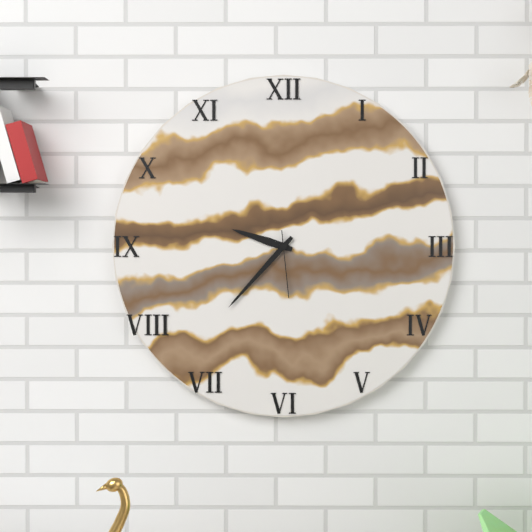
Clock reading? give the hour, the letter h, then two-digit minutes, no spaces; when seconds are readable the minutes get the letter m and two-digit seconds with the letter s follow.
9h37m29s
